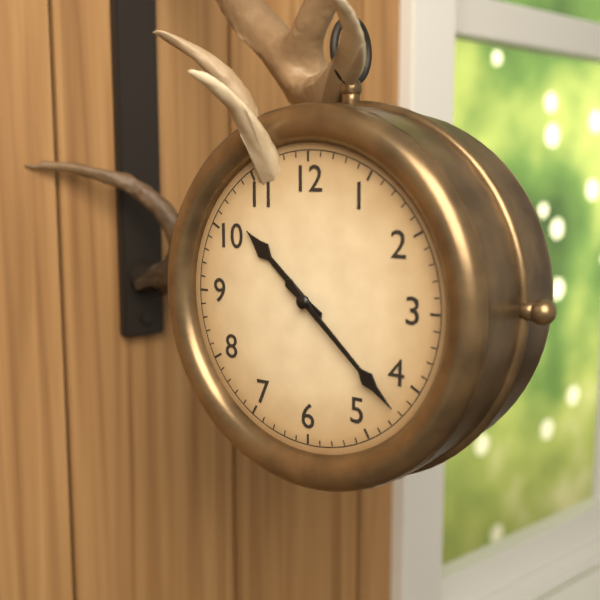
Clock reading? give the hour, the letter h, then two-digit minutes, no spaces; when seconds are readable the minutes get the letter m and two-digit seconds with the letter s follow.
10h22
